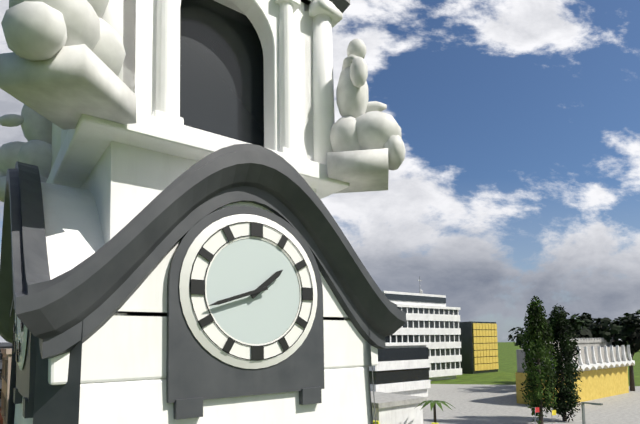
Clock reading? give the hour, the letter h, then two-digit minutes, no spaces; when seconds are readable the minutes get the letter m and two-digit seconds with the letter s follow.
1h42
